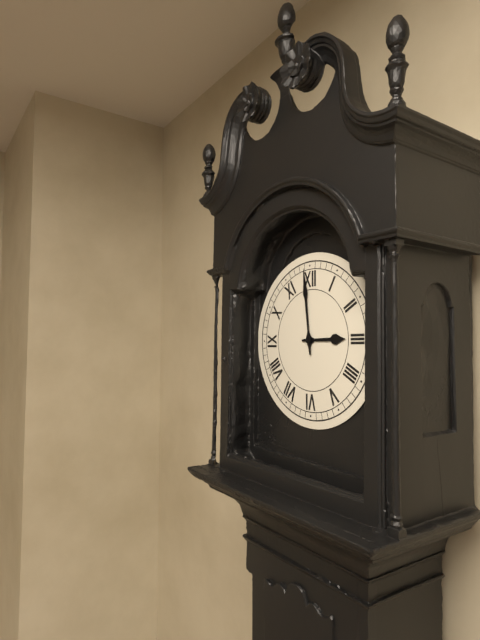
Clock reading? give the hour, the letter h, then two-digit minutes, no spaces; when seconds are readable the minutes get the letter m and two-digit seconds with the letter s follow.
2h59
